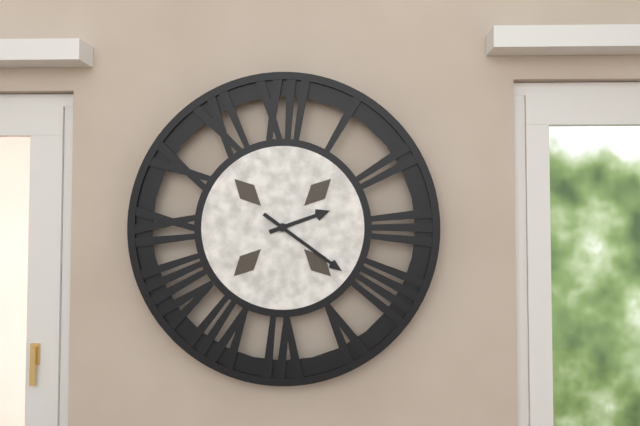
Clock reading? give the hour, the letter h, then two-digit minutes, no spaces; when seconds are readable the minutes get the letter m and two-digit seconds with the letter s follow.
2h21
